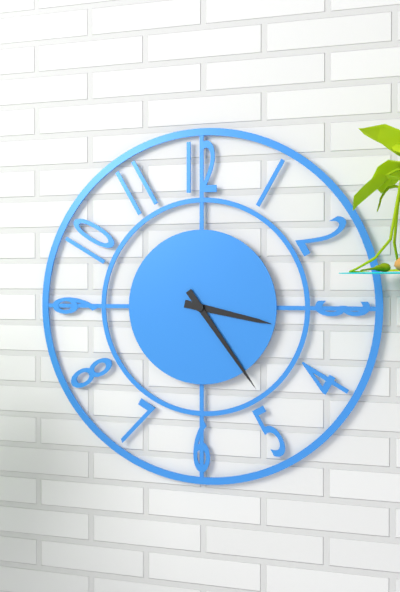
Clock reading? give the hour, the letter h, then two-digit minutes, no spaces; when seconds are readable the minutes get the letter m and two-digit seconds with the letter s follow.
3h24
